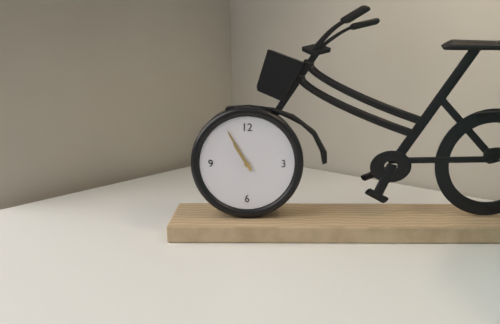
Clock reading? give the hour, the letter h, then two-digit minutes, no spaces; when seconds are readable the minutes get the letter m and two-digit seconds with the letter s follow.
10h55
